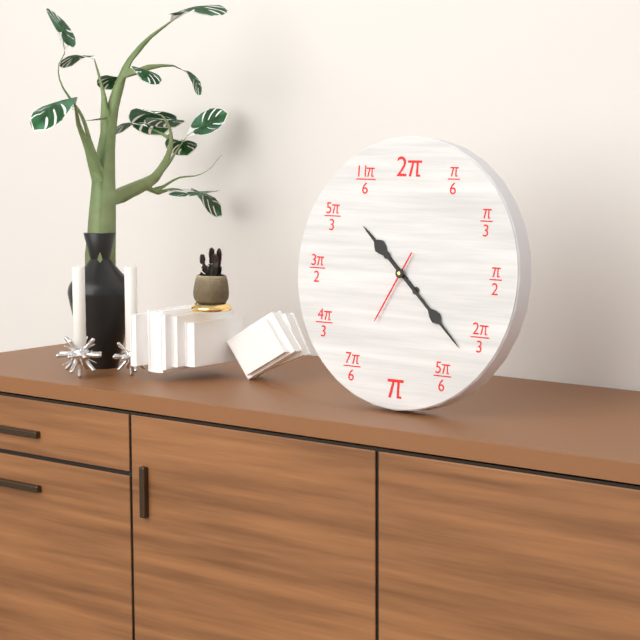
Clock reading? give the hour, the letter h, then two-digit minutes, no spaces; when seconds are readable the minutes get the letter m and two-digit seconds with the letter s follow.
10h22m35s
